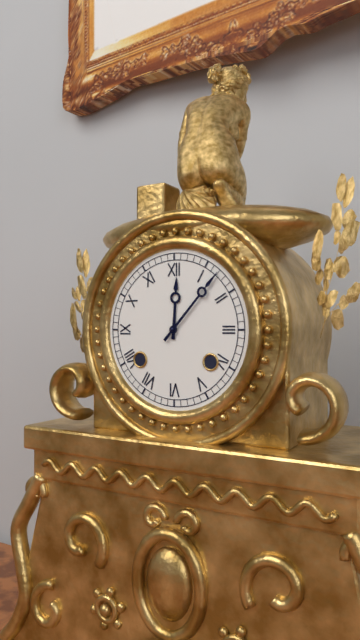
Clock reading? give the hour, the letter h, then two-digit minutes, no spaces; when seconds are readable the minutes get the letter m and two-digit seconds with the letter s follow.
12h07
